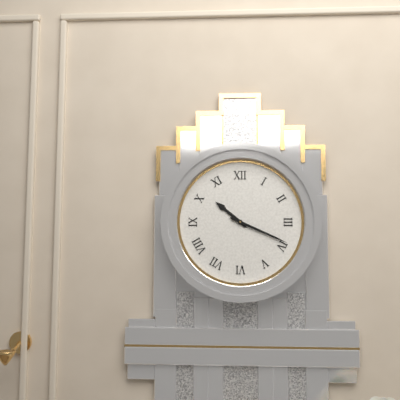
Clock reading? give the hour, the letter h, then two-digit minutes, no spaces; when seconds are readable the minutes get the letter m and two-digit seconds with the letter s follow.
10h19
